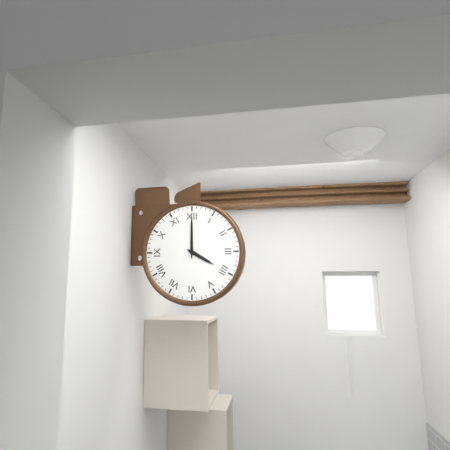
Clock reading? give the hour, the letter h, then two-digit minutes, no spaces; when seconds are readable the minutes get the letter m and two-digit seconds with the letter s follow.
4h00
